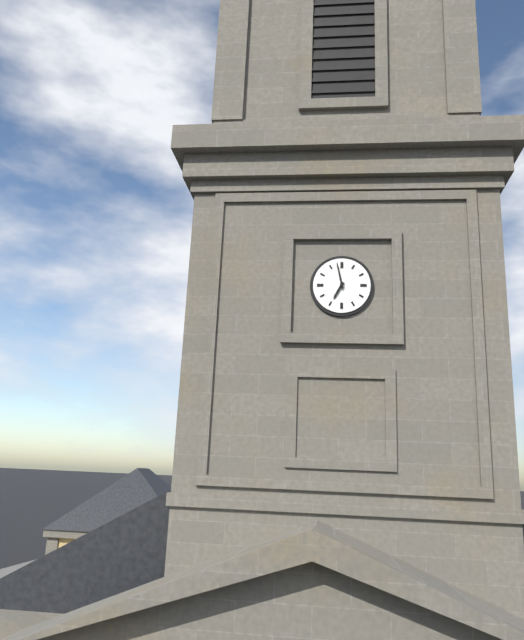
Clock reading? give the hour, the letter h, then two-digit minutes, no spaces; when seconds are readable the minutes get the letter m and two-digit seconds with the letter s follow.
6h58
